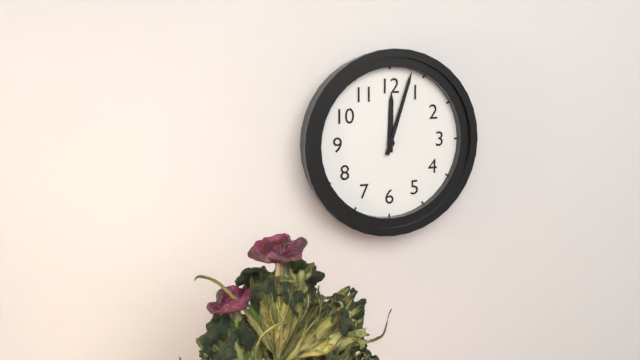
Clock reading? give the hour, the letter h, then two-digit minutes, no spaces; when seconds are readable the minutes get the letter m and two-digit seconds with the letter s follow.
12h03
